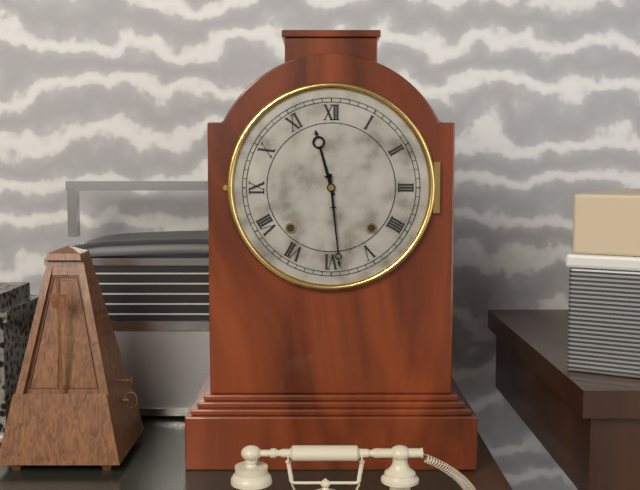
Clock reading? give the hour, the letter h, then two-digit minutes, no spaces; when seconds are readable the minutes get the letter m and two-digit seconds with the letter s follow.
11h29
